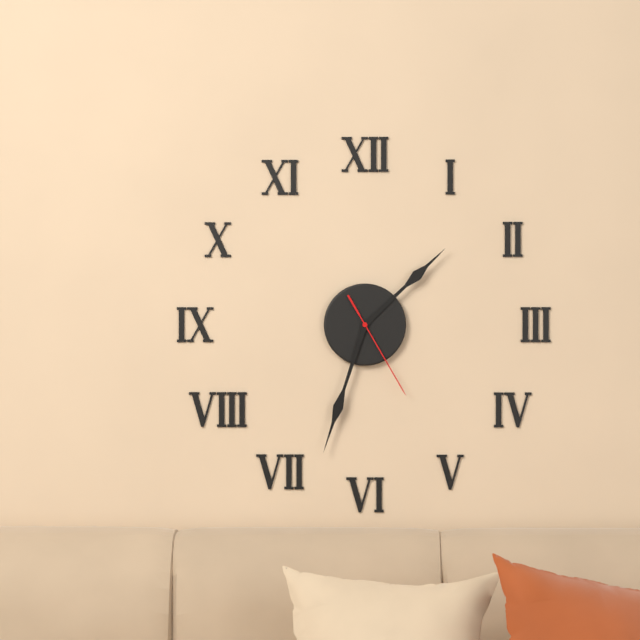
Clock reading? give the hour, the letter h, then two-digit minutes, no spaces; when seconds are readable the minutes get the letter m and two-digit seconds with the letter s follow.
1h33m25s
